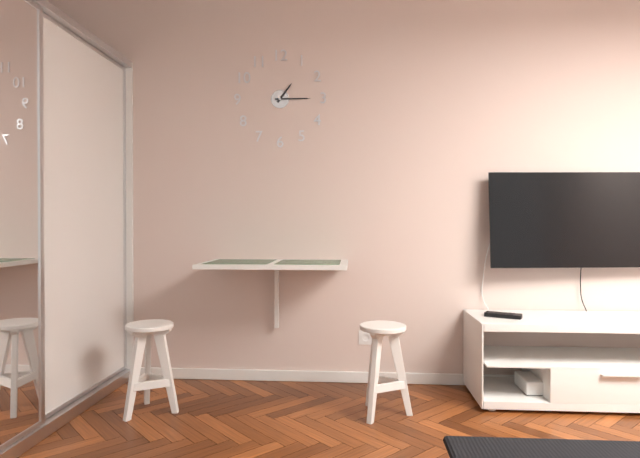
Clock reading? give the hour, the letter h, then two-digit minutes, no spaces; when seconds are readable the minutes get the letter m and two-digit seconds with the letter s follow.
1h15
